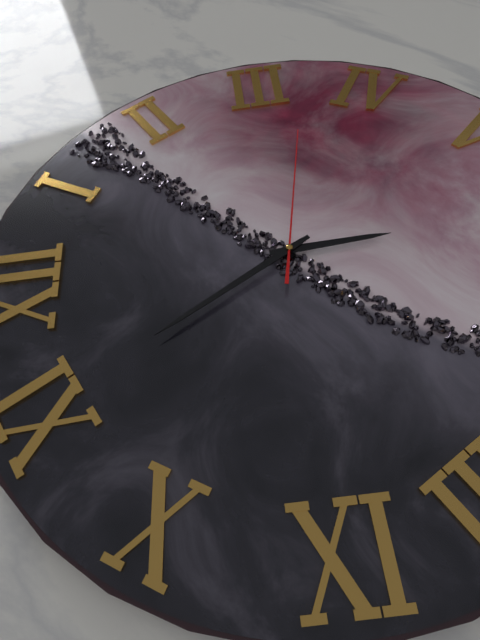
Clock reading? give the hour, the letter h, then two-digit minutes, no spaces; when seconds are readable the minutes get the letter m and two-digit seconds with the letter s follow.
5h55m17s
